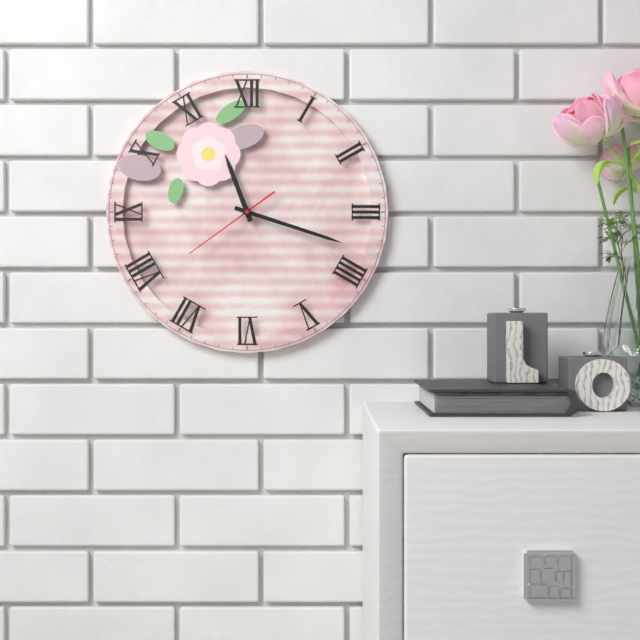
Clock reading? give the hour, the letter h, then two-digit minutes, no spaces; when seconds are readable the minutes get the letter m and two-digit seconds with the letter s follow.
11h18m39s
